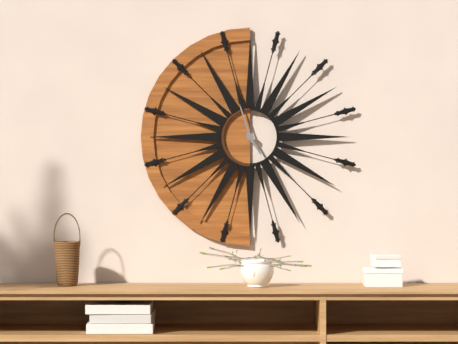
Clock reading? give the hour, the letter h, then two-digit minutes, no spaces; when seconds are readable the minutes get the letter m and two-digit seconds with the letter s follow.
4h57
